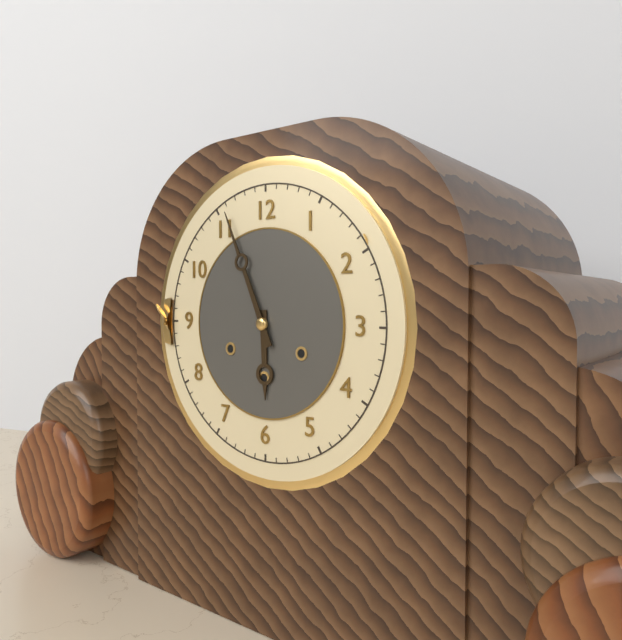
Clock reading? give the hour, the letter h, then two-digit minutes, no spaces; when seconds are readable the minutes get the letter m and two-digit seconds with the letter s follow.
5h56
